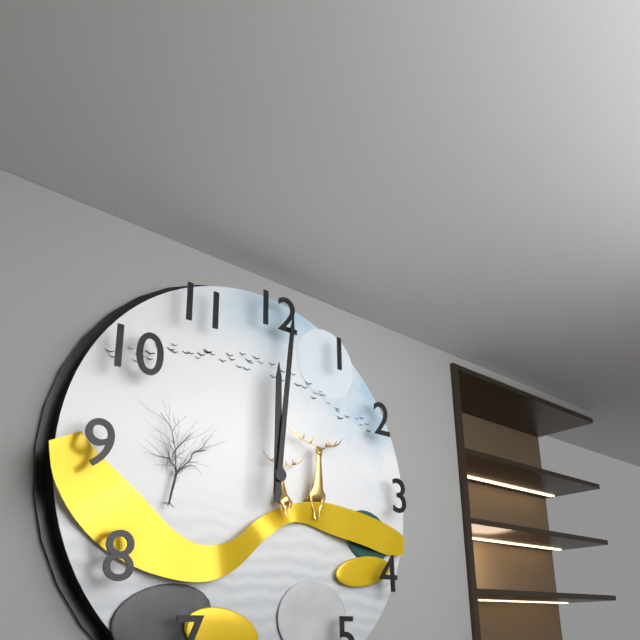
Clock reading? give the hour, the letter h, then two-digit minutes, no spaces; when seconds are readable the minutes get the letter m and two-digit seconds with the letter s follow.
12h01
